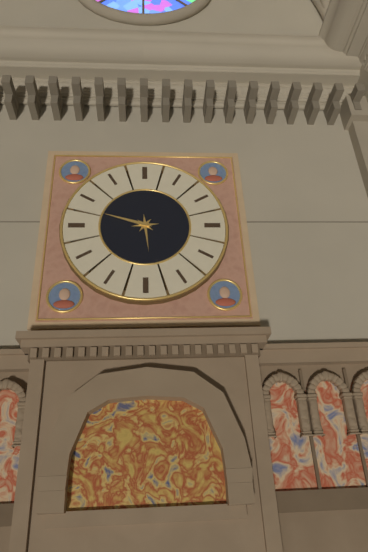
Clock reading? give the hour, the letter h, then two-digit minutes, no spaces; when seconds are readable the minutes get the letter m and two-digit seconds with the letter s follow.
5h48
